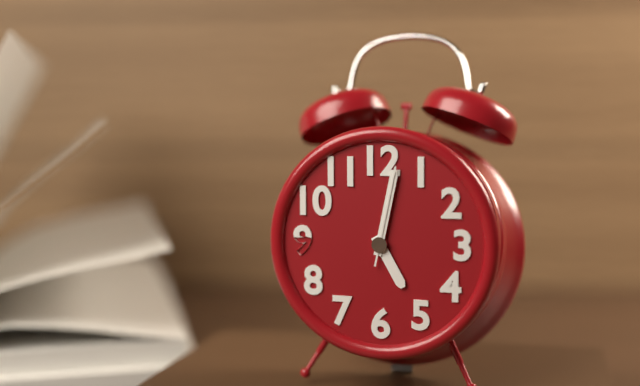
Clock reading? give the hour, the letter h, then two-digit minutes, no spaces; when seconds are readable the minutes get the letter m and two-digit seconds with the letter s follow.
5h02m02s
